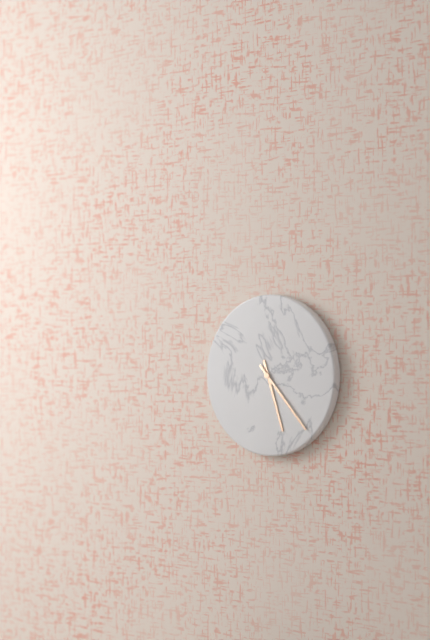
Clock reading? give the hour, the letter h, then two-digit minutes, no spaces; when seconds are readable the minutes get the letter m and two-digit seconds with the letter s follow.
5h23
